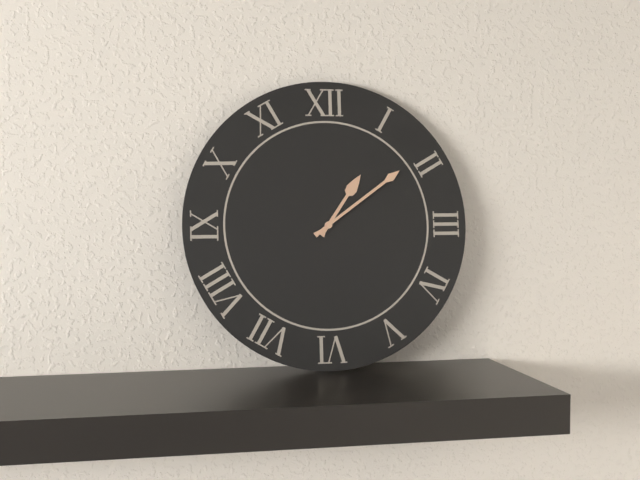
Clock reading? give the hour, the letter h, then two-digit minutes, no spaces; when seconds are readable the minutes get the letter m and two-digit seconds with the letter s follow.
1h09
